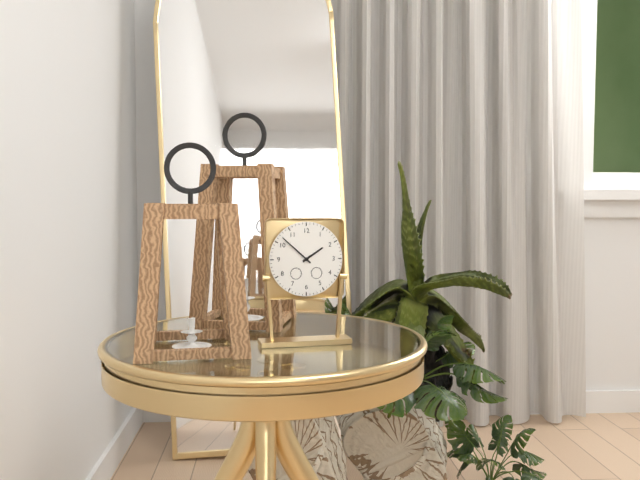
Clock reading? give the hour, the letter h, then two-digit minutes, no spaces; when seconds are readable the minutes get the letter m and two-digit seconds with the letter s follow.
1h52
